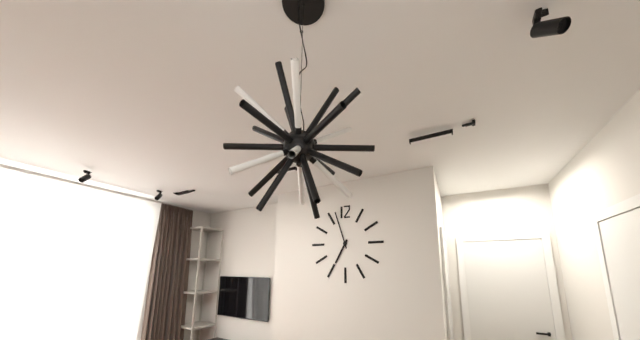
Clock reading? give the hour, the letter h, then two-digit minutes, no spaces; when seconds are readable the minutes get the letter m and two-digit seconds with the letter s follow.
6h57
